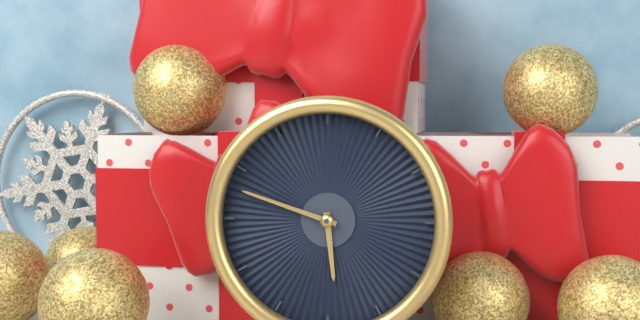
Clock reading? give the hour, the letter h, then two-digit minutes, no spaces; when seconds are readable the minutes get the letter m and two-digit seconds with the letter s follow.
5h48
